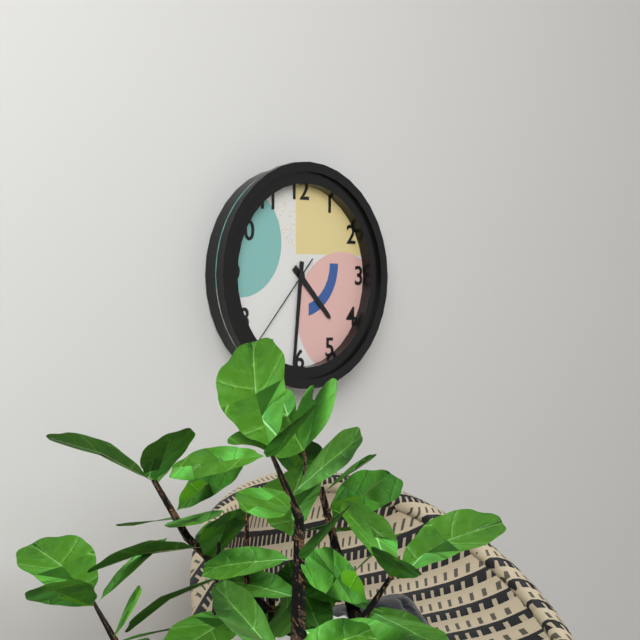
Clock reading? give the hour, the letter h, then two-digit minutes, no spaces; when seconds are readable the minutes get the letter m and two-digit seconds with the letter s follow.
4h31m37s
